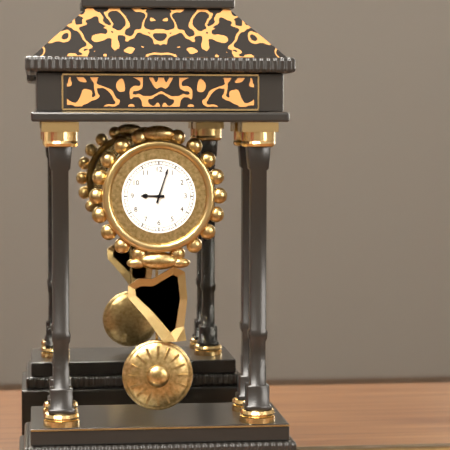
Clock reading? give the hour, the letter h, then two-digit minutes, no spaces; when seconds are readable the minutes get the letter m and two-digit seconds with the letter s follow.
9h03
